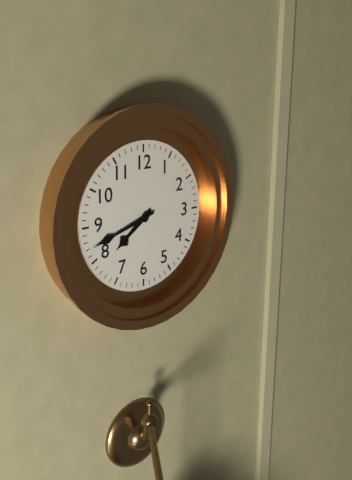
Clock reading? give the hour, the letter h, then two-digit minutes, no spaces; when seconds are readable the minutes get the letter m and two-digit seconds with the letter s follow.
7h42
